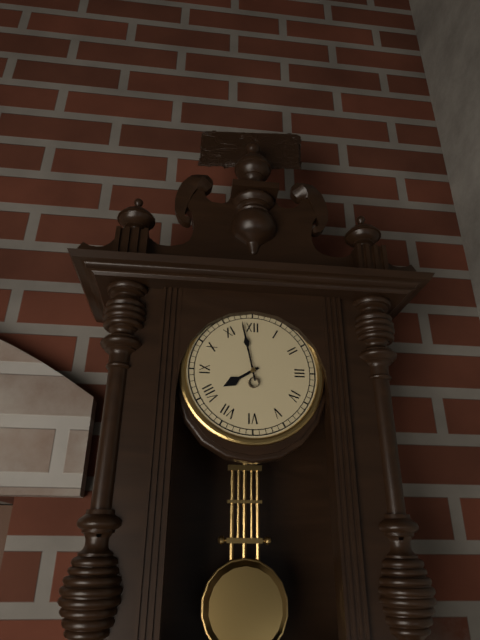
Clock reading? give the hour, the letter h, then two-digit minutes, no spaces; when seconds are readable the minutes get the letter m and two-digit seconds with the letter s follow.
7h58
